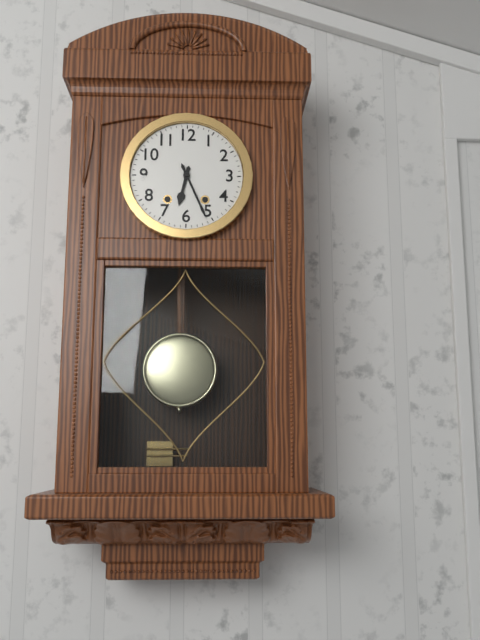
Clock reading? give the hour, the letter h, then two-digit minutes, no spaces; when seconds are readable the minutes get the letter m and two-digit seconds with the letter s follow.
6h26
